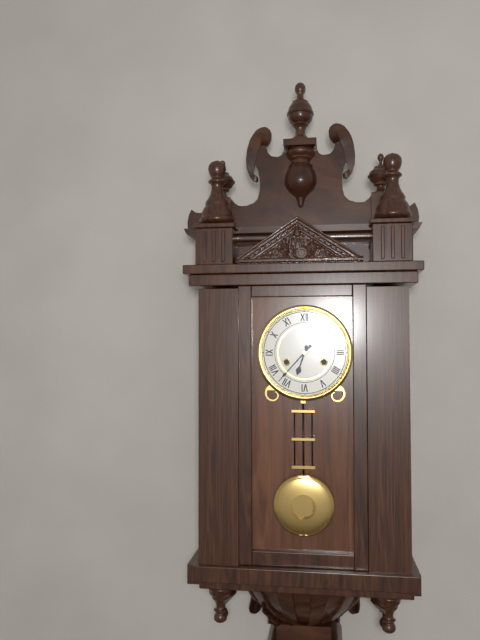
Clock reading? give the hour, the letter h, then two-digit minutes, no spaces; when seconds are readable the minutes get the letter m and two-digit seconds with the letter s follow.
6h37
